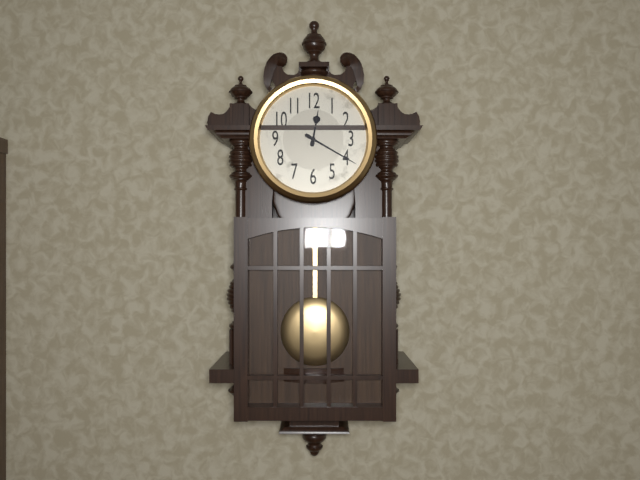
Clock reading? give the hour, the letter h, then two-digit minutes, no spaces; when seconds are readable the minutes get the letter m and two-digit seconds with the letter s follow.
12h20
